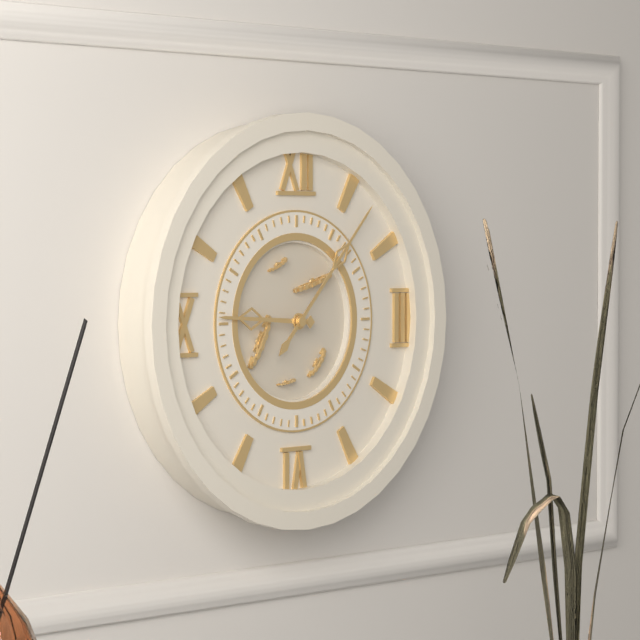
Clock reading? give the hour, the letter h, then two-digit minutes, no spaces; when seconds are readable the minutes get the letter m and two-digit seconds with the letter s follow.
9h07
